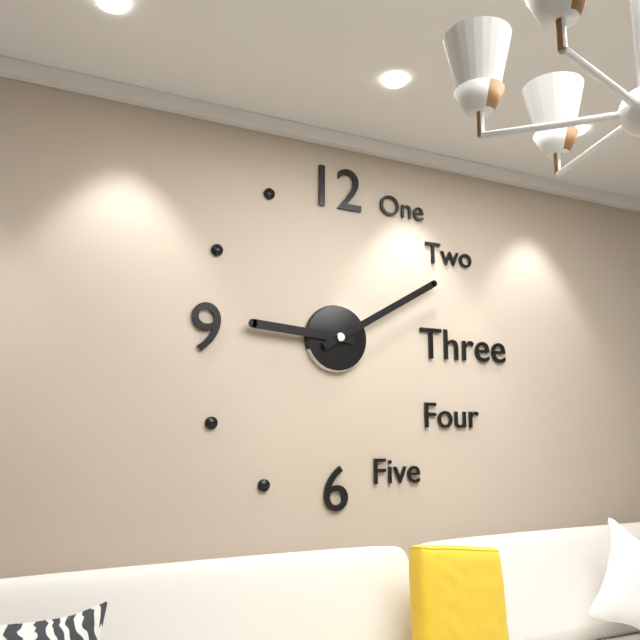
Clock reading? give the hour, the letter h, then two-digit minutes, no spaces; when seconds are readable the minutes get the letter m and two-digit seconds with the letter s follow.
9h10
